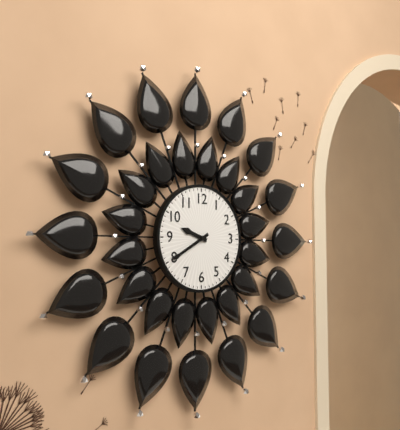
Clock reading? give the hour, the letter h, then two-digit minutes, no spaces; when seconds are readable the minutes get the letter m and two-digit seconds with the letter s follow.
9h40
